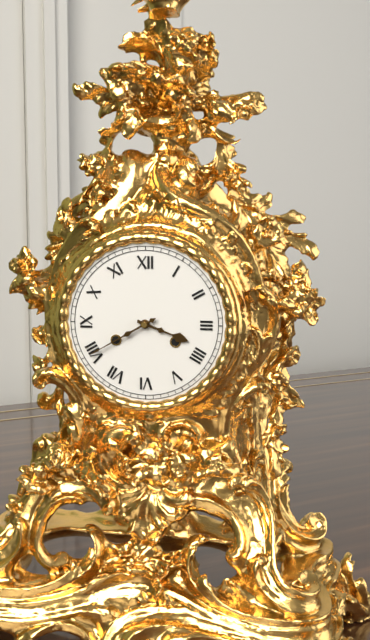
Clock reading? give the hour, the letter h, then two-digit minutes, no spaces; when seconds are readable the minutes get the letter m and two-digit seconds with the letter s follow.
3h40
